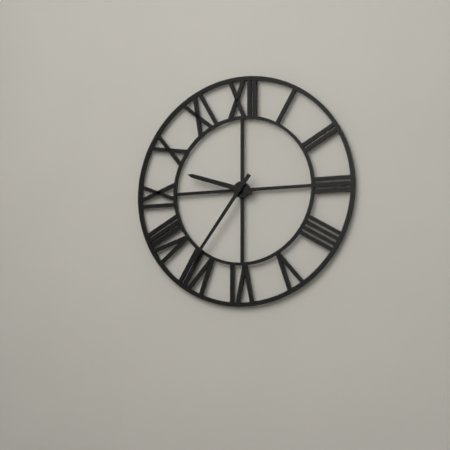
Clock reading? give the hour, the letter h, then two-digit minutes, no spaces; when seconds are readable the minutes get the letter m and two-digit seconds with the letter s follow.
9h36
